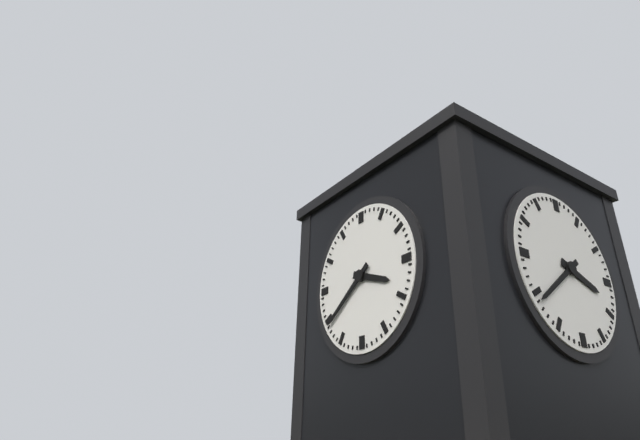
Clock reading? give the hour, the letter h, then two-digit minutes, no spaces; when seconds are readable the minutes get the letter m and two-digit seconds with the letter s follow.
3h39
